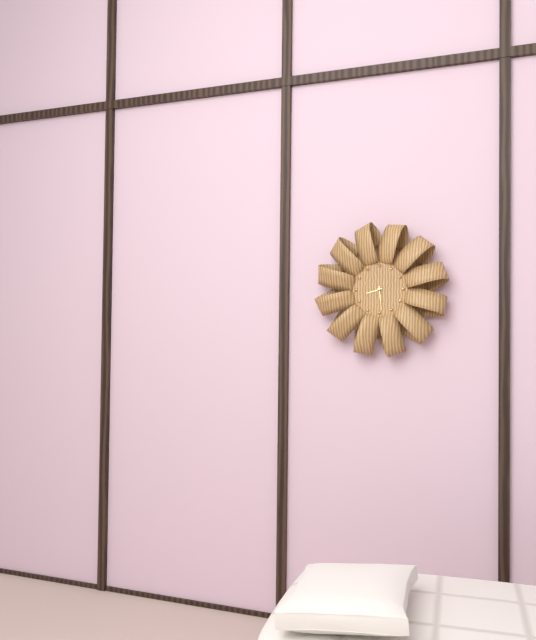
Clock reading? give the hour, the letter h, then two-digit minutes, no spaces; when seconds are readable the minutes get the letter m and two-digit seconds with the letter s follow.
8h29
